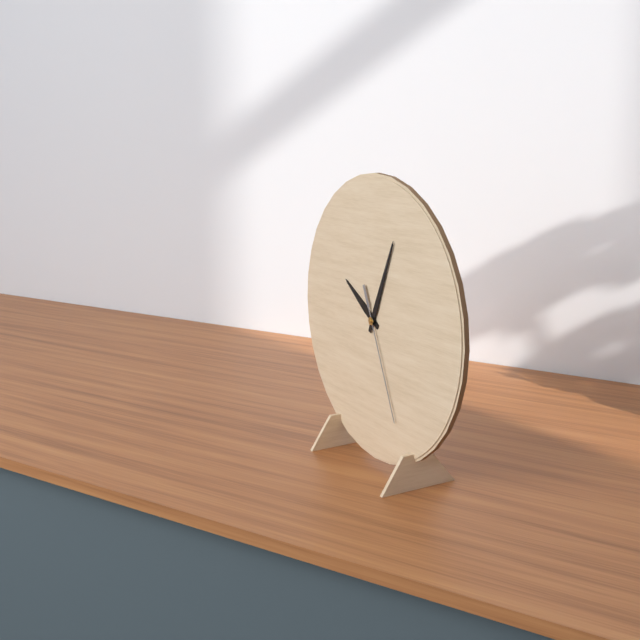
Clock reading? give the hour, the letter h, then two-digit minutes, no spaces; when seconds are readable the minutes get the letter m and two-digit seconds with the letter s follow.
10h04m26s
